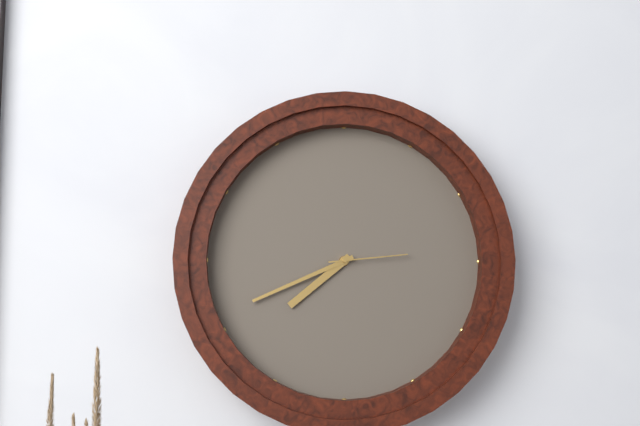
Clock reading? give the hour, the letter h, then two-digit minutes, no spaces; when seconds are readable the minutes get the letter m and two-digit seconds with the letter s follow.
7h41m14s
